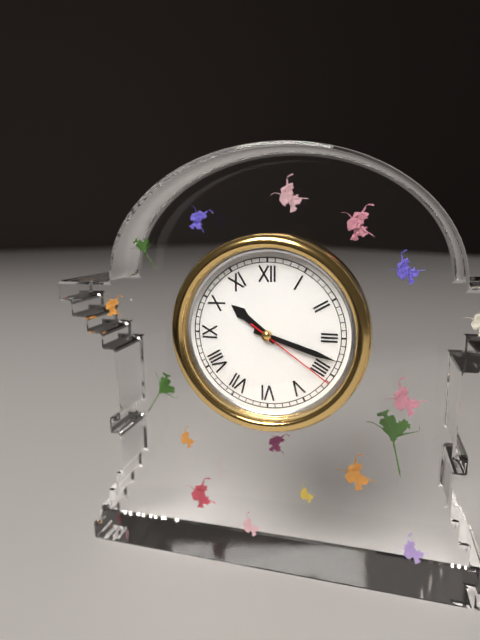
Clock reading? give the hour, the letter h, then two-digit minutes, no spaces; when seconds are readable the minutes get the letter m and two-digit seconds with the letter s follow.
10h18m21s
